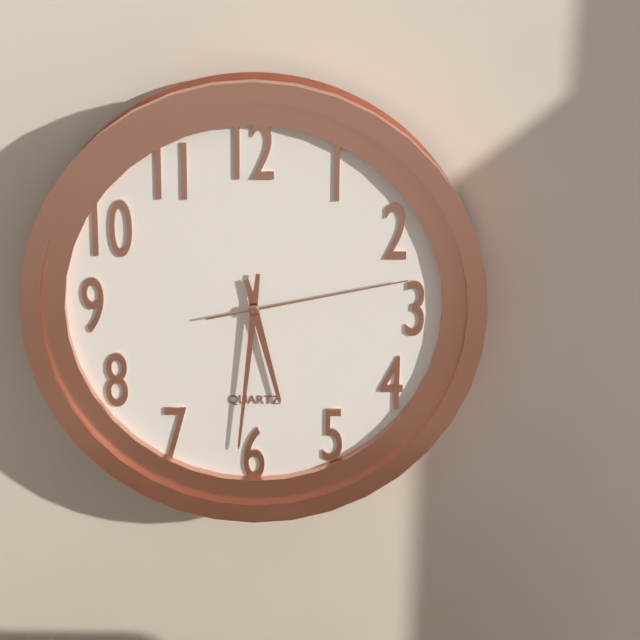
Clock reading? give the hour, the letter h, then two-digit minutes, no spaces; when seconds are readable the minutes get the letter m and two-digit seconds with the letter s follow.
5h31m13s
